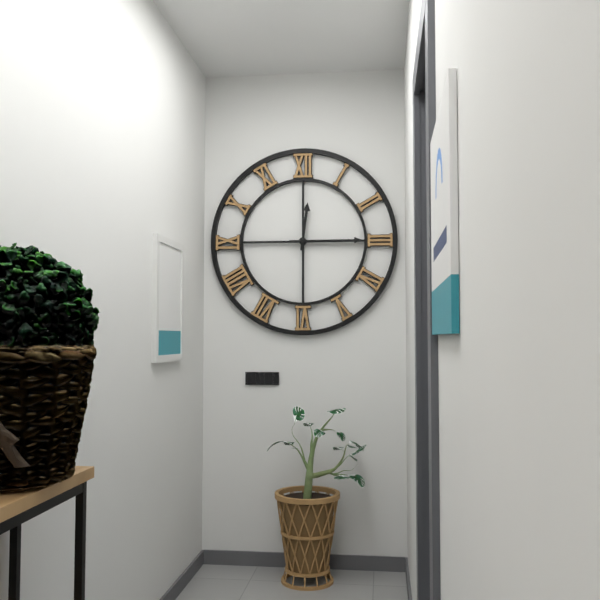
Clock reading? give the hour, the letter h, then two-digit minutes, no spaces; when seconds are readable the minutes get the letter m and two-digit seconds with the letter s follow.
12h15
